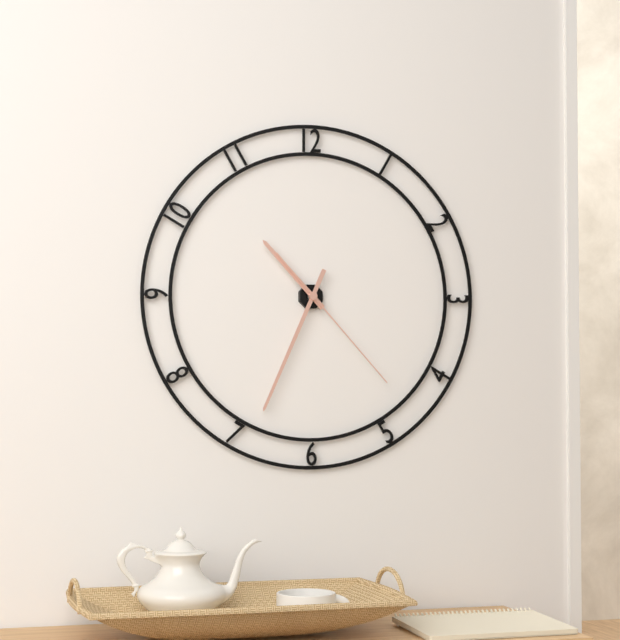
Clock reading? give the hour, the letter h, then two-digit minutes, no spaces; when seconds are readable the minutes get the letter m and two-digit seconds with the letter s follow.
10h34m23s
